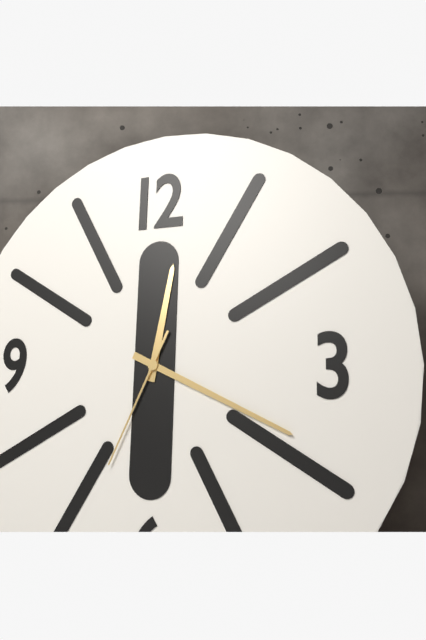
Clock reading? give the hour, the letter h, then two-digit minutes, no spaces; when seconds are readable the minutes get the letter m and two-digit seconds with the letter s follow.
12h19m34s
